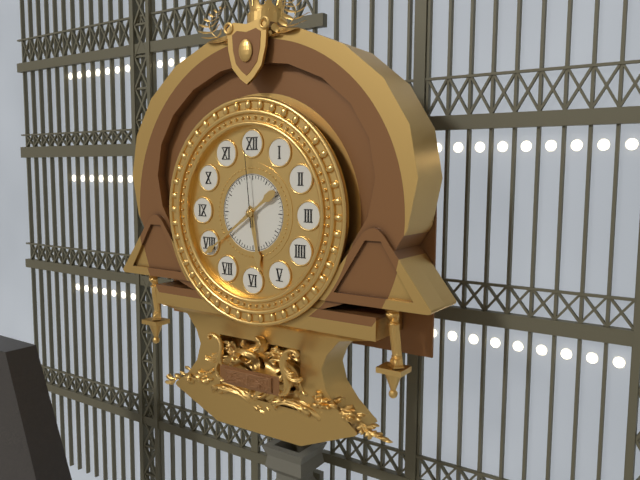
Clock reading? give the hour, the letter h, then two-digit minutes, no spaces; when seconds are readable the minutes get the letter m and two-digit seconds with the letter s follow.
5h39m59s
